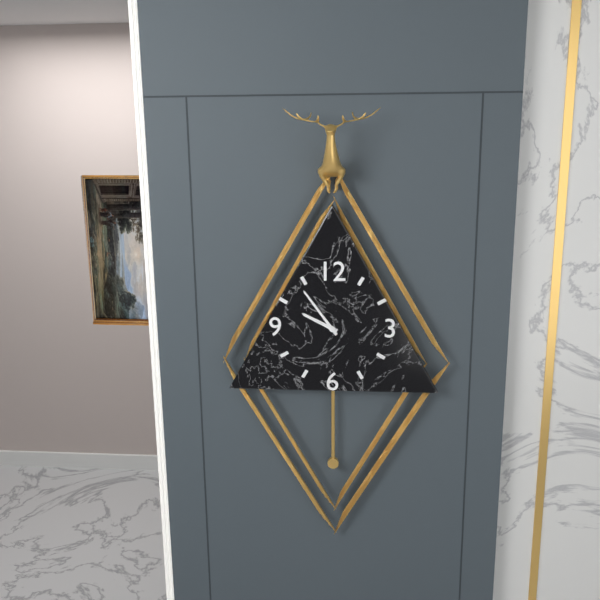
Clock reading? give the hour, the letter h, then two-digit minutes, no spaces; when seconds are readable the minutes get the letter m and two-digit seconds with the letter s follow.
9h54
